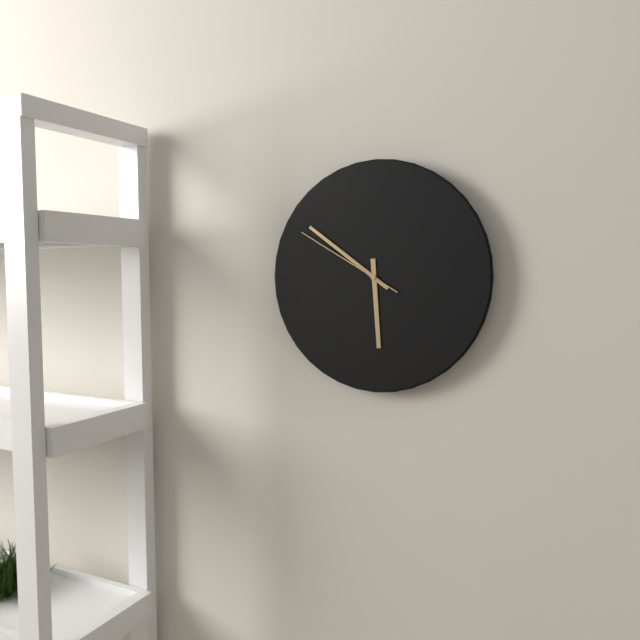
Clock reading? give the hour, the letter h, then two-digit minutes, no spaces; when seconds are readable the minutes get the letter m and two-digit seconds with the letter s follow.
5h51m50s
